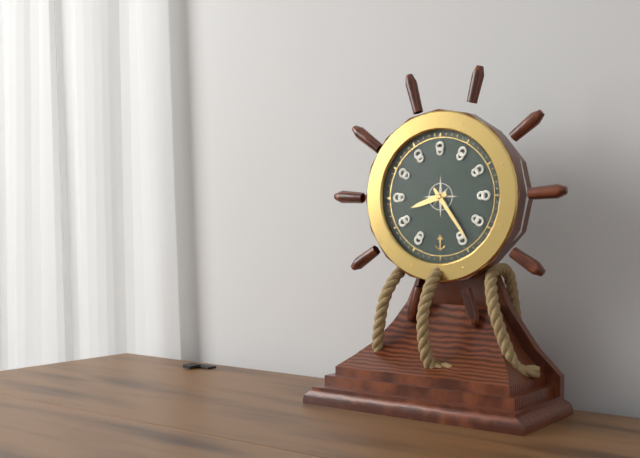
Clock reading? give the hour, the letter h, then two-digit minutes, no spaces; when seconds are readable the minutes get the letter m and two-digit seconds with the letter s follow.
8h24
